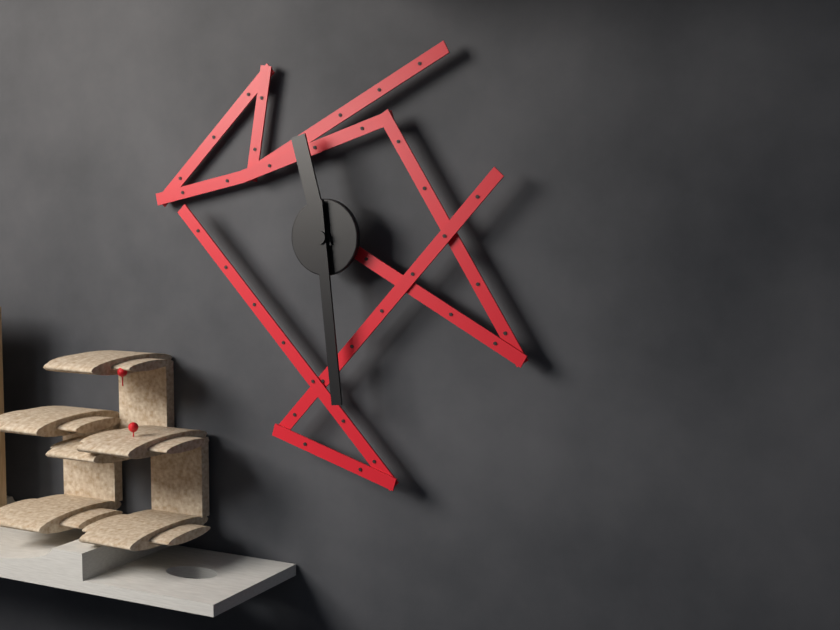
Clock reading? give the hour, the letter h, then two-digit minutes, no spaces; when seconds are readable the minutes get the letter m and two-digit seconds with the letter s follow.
11h29
